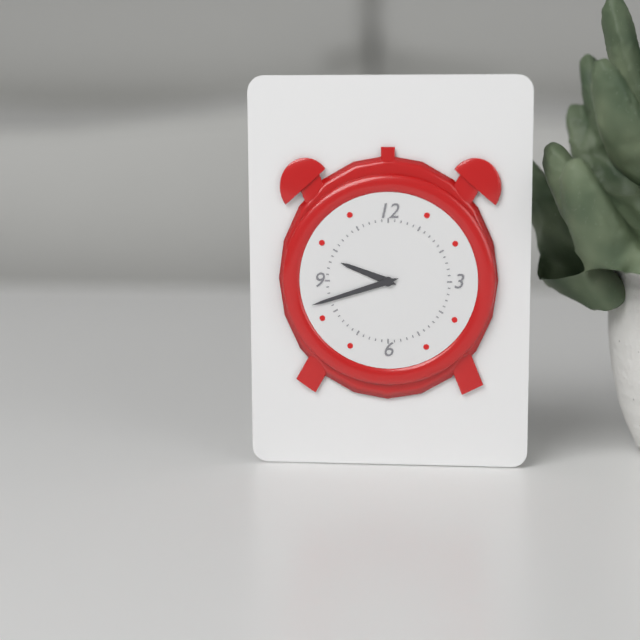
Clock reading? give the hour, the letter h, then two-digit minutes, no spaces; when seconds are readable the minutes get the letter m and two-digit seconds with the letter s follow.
9h42
